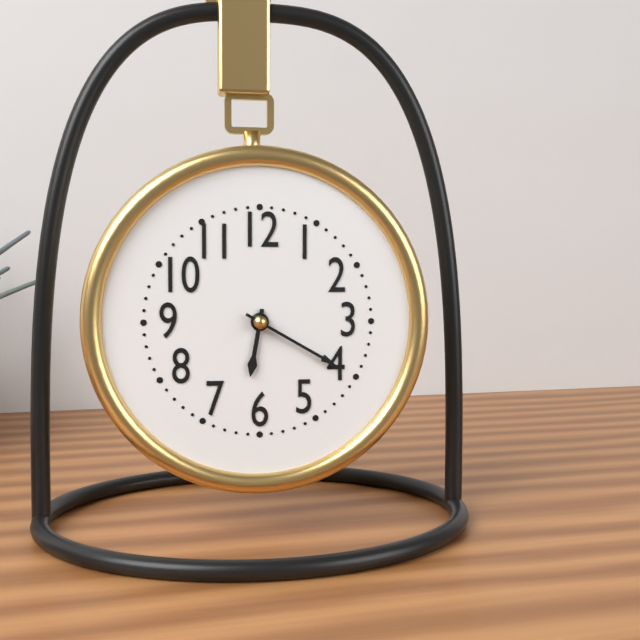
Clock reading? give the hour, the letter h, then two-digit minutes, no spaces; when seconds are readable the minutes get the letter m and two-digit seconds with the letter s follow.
6h20
